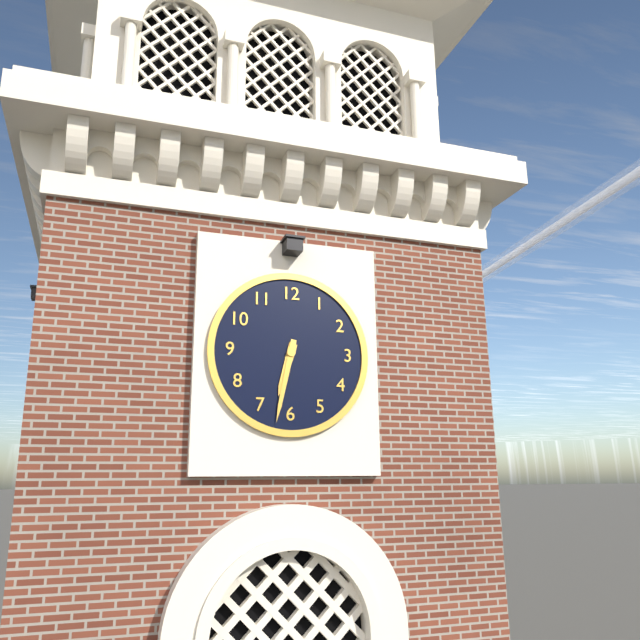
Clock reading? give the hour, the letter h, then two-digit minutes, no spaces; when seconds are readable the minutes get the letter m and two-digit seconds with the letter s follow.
6h32
